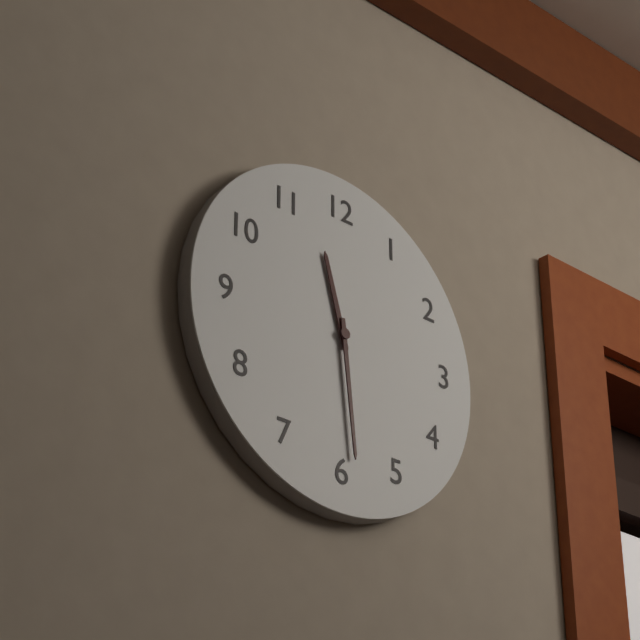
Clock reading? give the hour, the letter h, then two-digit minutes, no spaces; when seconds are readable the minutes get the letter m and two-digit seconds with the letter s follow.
11h29
